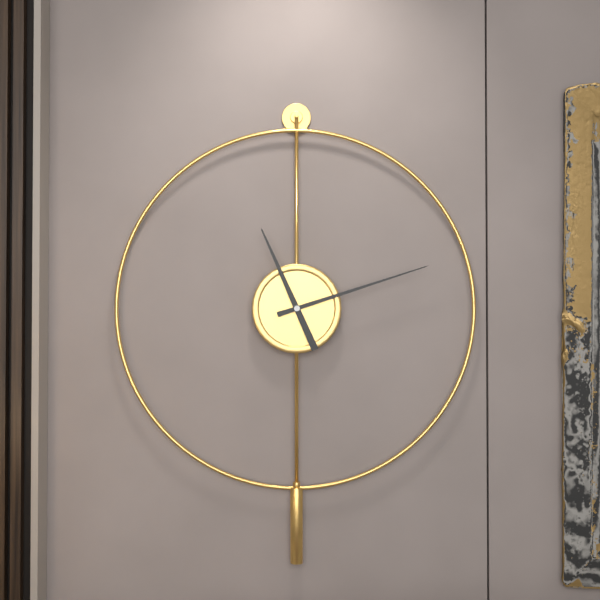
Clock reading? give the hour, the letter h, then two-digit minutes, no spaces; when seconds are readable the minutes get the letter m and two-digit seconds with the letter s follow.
11h12
